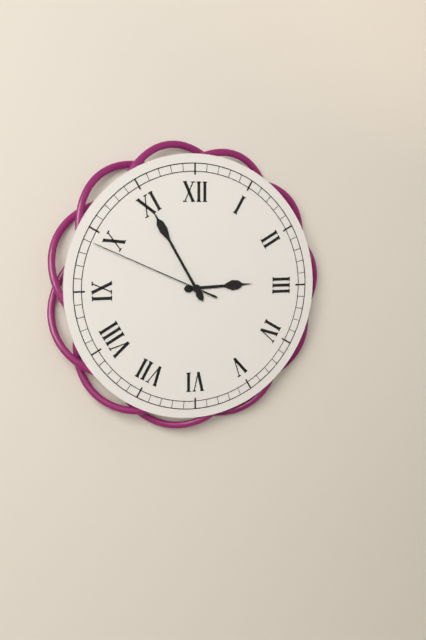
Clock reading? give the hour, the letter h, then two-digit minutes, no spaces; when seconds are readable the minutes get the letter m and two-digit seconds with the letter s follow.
2h55m49s
